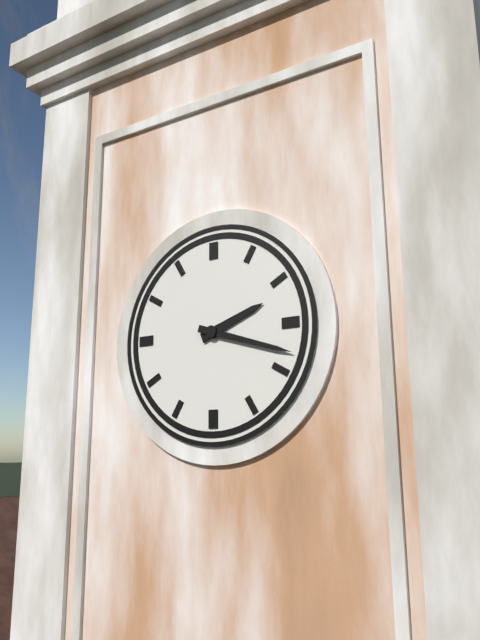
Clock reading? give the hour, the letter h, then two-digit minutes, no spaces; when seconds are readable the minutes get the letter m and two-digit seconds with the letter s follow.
2h18
